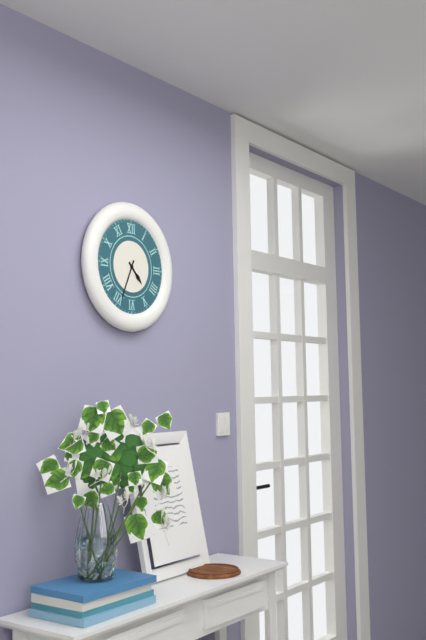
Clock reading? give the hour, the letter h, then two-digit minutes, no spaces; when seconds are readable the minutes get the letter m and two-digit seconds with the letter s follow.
4h34
